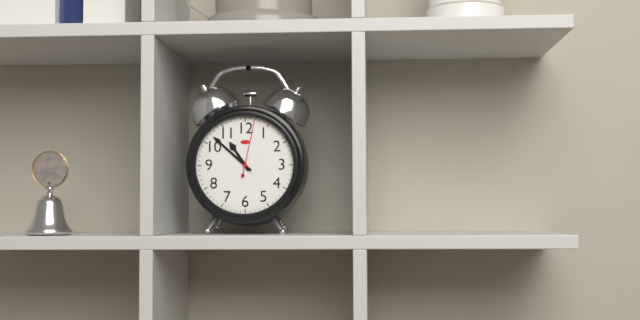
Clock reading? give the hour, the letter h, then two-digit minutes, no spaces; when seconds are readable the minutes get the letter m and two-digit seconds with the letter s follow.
10h52m02s
